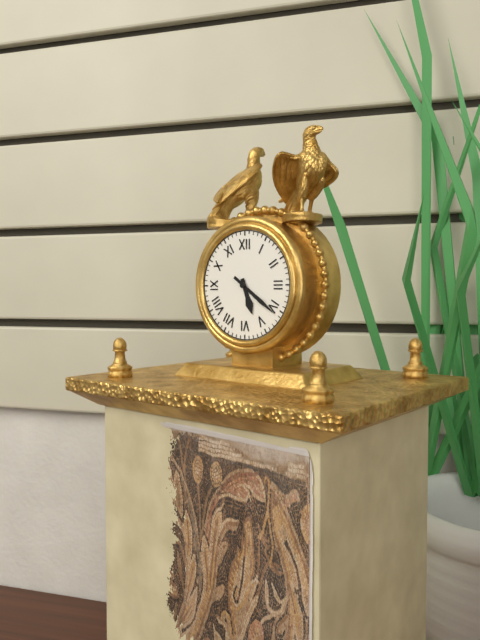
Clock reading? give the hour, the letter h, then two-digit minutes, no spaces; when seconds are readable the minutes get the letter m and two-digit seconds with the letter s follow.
5h21
